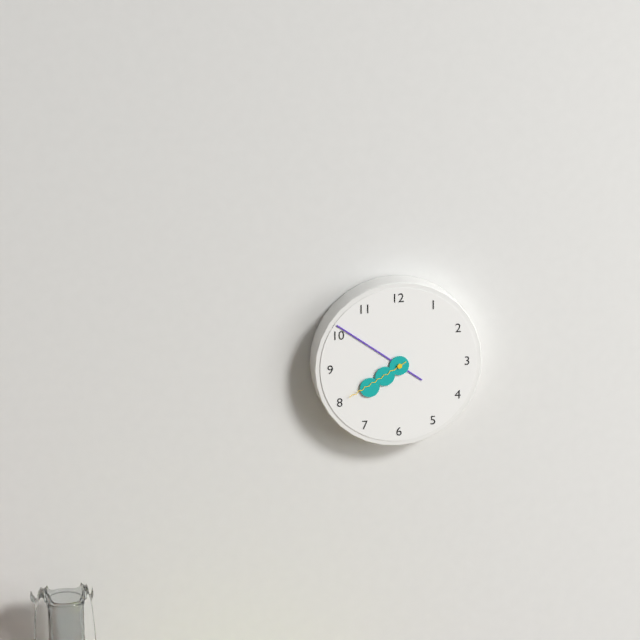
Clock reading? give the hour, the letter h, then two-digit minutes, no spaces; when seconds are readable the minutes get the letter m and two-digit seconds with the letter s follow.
7h51m40s
